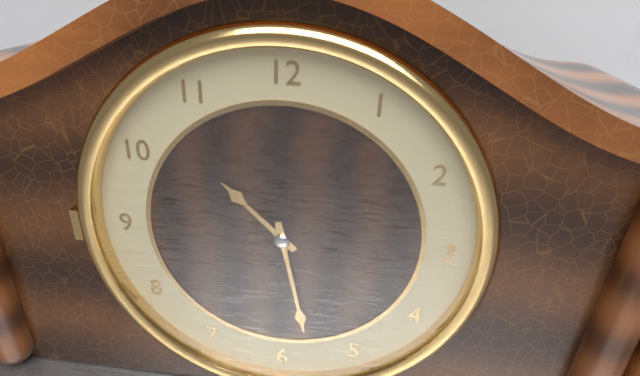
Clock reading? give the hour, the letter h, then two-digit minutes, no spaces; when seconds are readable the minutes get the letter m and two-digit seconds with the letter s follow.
10h28
